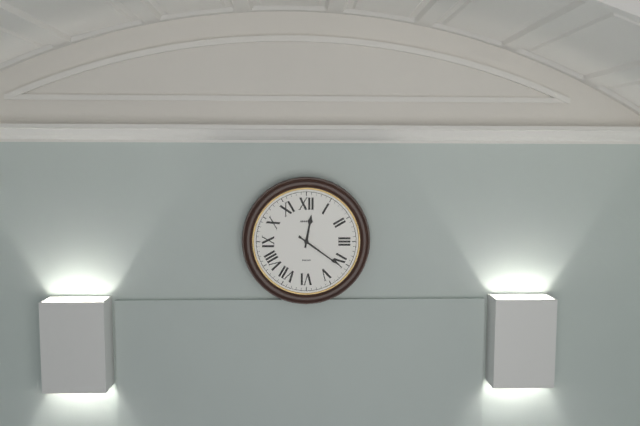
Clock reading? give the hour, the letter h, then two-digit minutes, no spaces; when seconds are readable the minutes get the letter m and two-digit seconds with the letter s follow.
12h21
